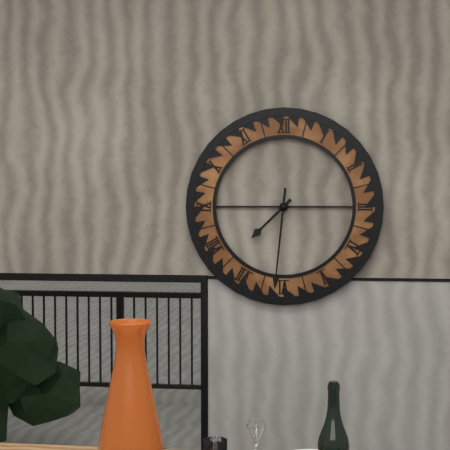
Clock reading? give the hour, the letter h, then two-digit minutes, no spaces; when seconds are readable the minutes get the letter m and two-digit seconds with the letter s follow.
7h31
